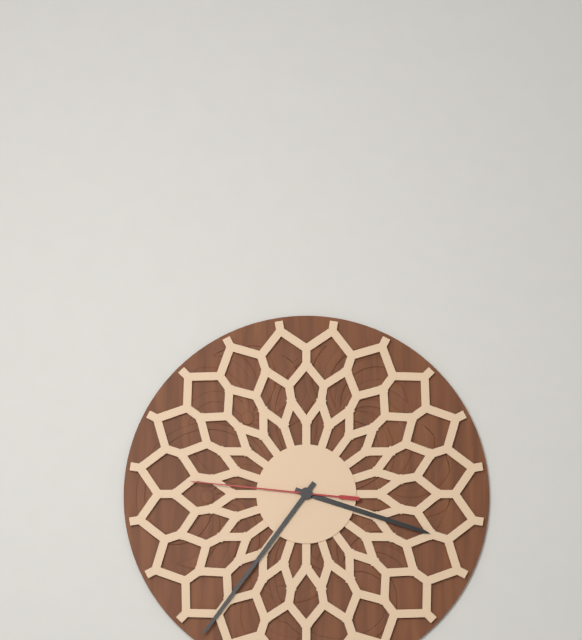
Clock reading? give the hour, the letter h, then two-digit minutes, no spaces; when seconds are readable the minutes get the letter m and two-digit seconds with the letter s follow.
3h36m46s
